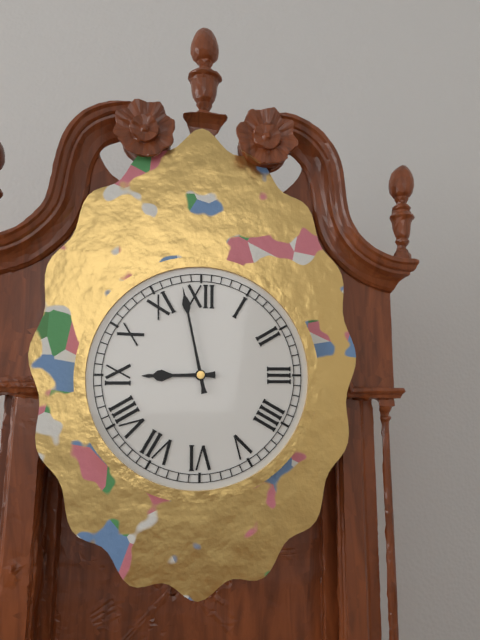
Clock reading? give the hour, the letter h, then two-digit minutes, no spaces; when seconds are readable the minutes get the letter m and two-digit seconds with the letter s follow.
8h58
